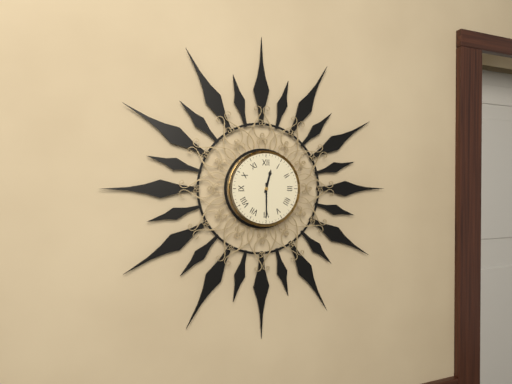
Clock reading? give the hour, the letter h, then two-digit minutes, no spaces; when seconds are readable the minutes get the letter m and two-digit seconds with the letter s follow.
12h30
